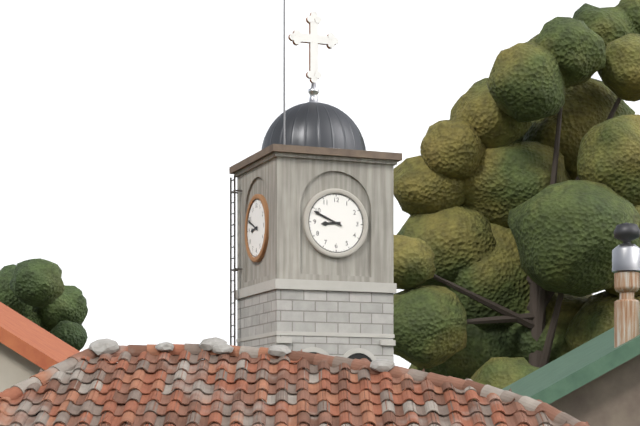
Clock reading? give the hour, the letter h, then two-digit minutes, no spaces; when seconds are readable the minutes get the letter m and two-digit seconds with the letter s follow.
8h49
